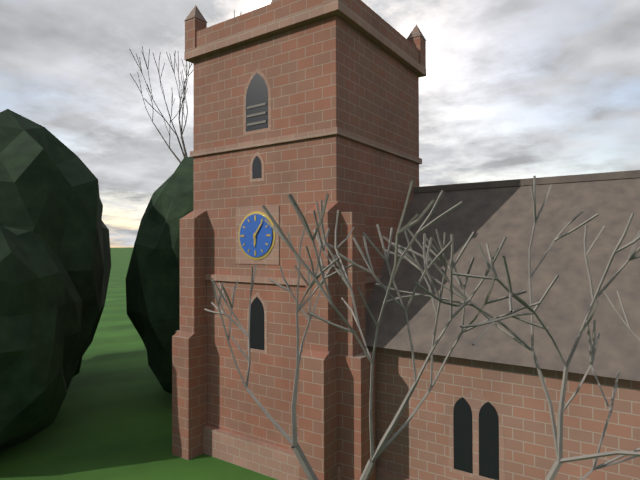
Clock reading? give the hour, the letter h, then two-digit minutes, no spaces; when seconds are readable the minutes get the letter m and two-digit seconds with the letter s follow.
6h06
